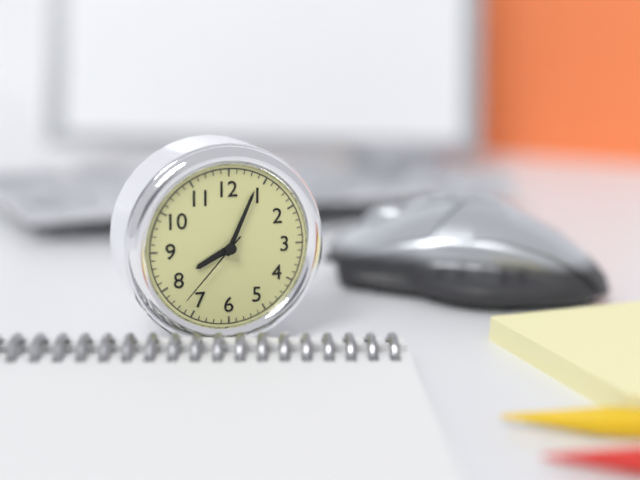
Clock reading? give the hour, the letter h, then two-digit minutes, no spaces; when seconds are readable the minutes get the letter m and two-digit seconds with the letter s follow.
8h04m37s
